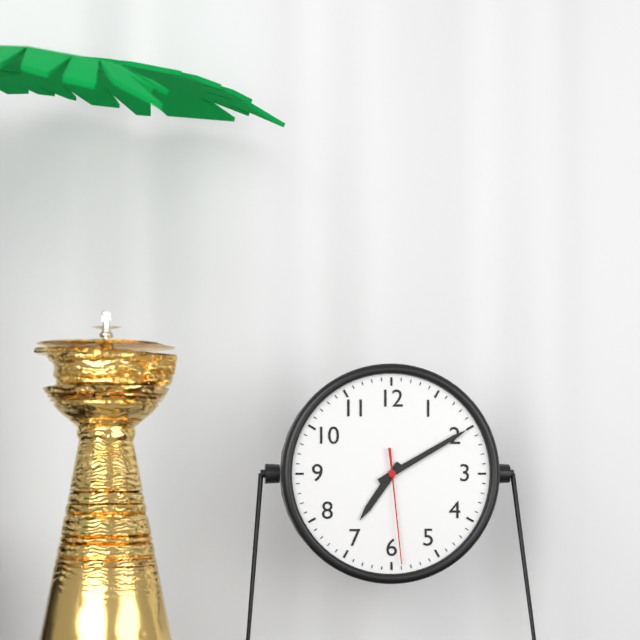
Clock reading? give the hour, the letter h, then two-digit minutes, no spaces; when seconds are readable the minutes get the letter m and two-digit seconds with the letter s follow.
7h10m29s
